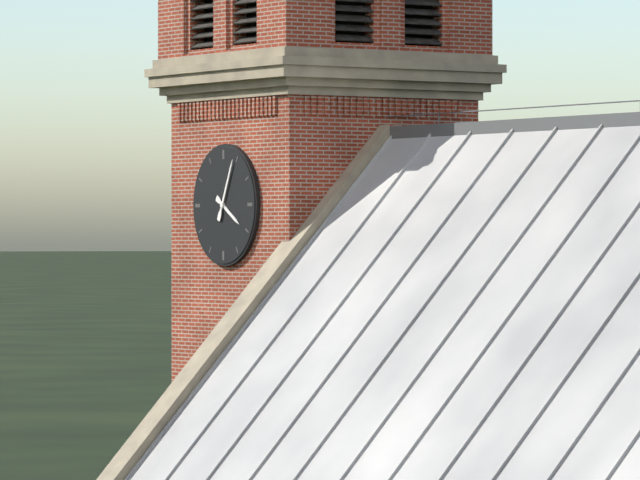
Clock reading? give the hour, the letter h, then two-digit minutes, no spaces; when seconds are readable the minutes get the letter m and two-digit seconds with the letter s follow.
4h04
